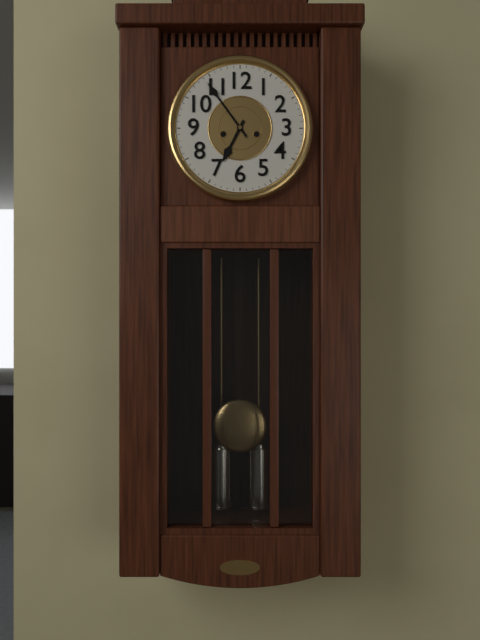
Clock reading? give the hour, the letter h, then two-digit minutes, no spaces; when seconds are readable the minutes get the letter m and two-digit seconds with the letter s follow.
6h54
